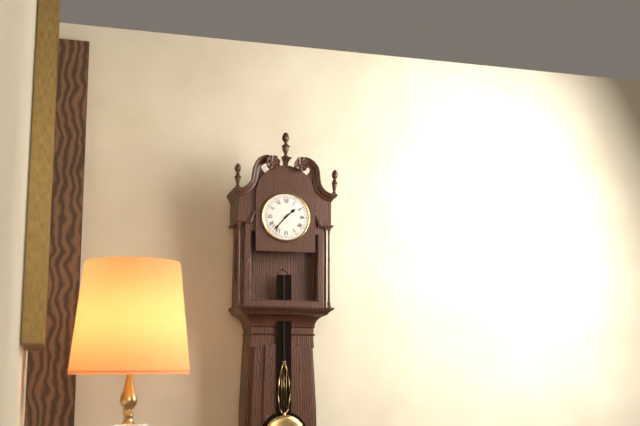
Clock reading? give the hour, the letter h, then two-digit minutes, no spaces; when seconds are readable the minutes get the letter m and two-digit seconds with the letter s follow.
1h37
